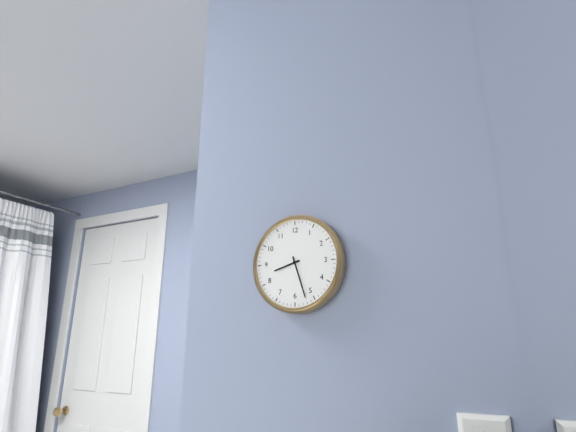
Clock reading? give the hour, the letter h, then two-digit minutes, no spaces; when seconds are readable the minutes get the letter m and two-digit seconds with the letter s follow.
8h27
